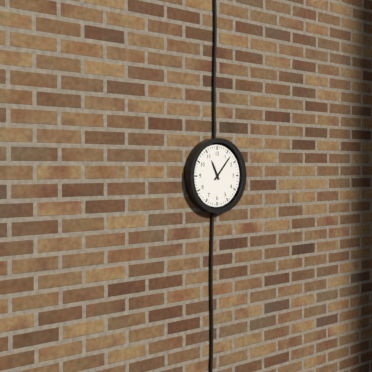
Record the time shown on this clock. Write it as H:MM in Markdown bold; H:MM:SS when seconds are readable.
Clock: **11:07**
